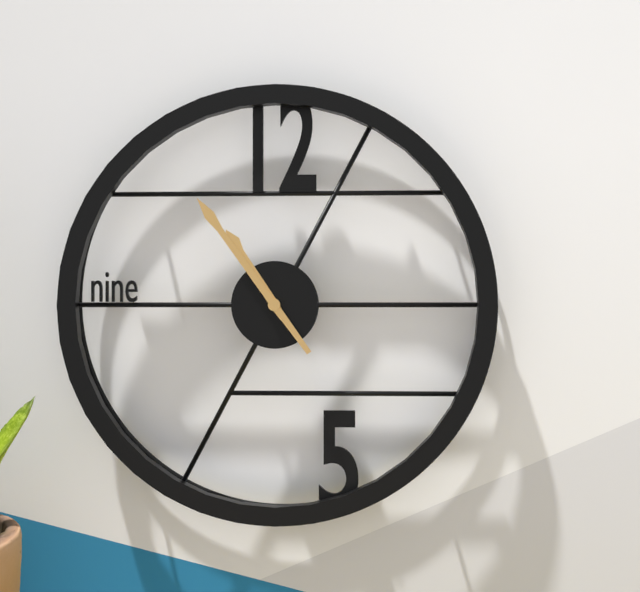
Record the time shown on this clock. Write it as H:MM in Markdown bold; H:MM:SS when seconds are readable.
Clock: **10:54**
